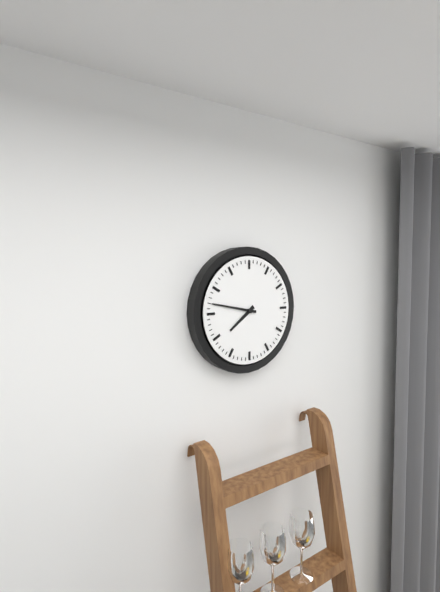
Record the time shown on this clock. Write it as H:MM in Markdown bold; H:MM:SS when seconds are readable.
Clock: **7:47**
